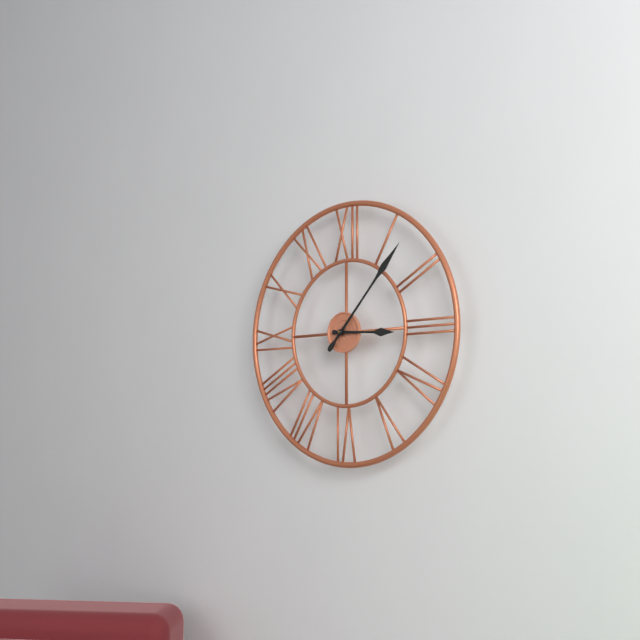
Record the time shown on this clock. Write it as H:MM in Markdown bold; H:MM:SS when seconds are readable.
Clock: **3:07**
